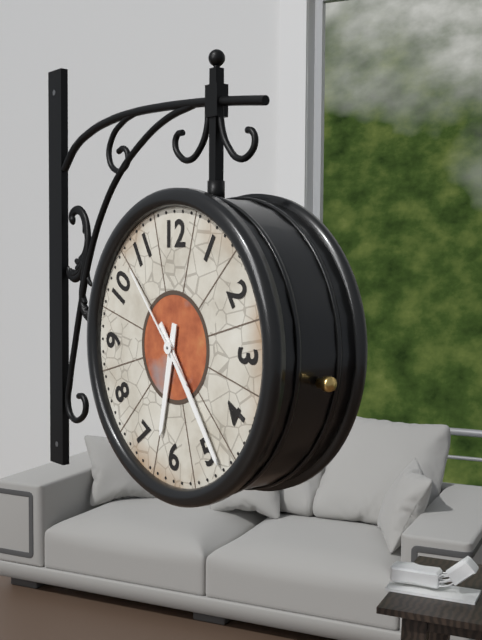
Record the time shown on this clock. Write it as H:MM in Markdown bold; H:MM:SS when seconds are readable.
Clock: **6:24:53**
